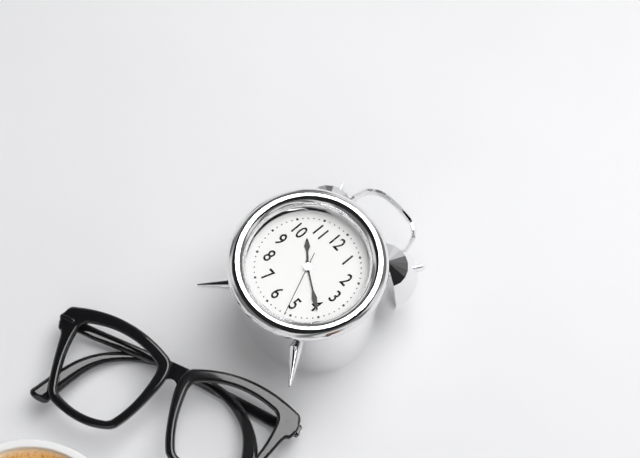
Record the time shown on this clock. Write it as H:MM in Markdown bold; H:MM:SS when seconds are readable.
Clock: **10:20:26**
